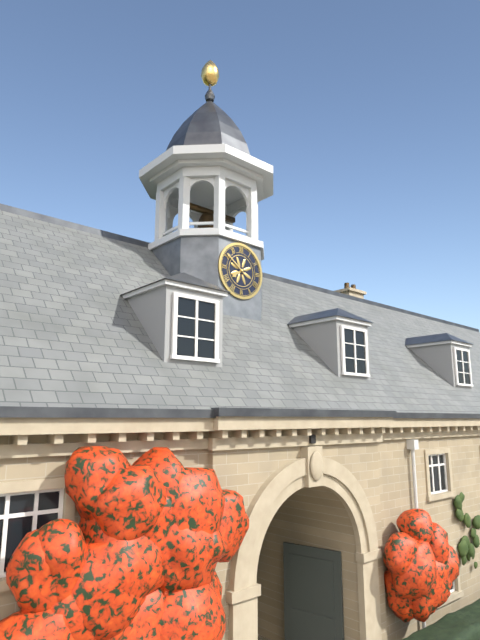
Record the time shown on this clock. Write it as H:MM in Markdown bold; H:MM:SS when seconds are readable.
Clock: **7:51**
